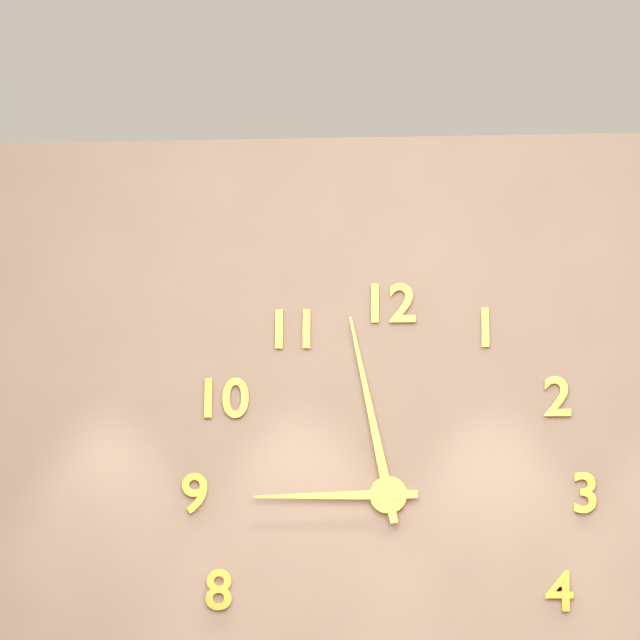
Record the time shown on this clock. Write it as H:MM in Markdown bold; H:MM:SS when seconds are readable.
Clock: **8:58**
